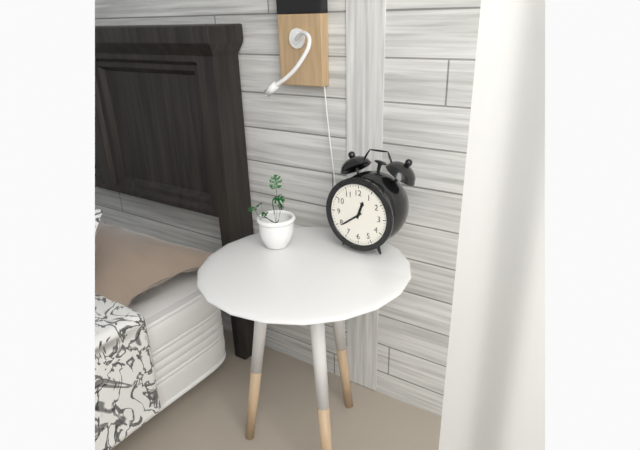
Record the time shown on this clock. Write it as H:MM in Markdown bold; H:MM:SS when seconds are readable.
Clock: **12:39**
